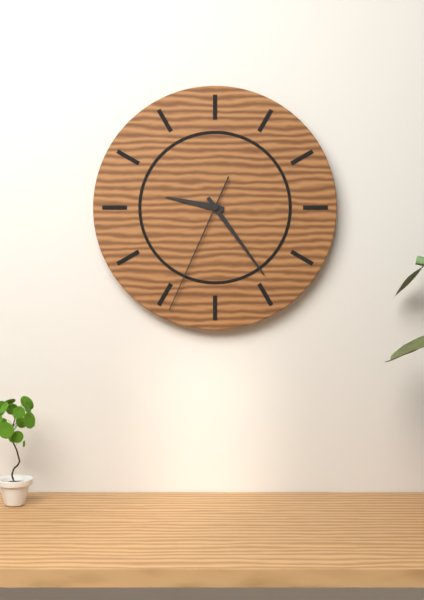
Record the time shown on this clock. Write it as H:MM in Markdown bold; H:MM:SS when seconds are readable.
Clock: **9:24:34**
